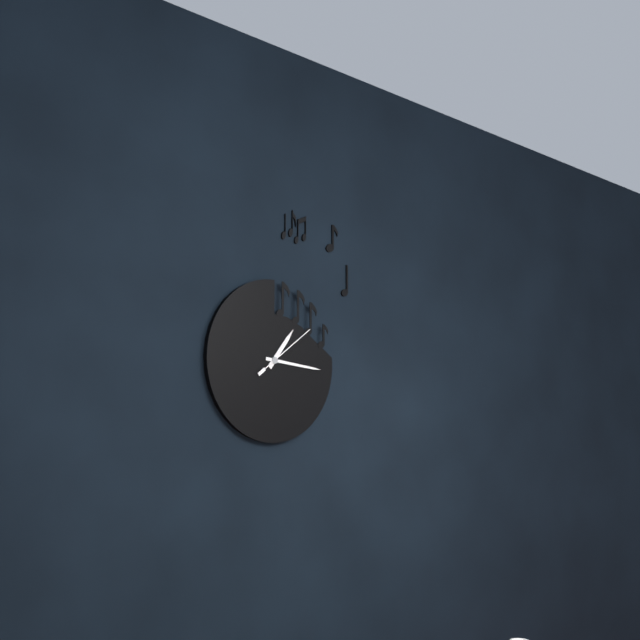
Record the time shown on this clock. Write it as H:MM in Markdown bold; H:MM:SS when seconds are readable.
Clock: **1:16:09**
